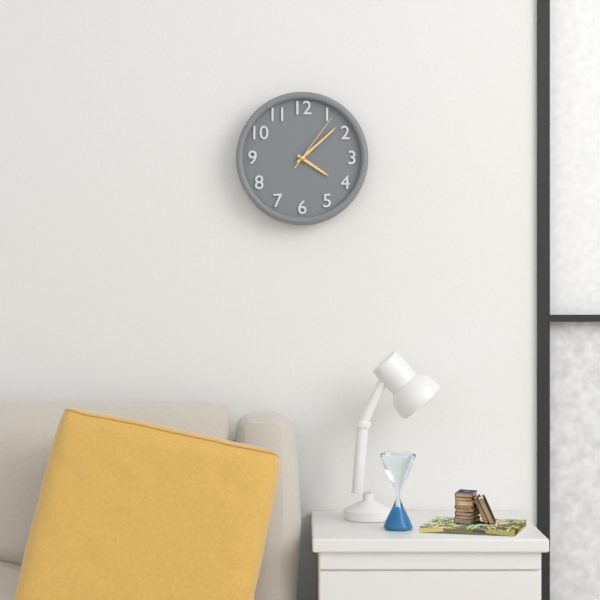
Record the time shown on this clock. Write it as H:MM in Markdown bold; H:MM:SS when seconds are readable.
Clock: **4:08:06**
